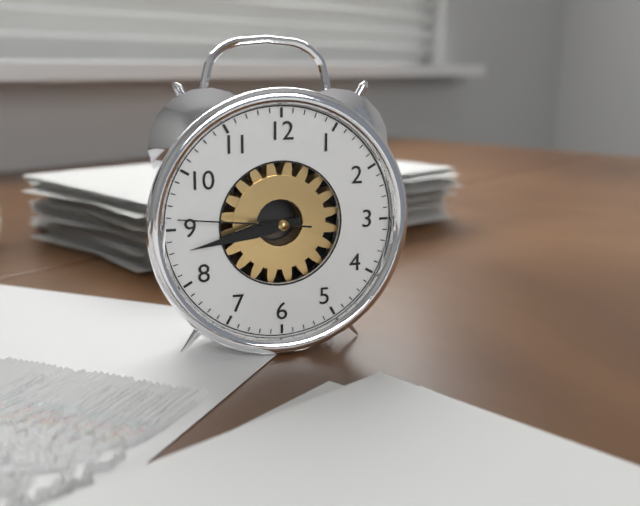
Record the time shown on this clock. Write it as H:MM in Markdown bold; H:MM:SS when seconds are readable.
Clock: **8:43:46**
